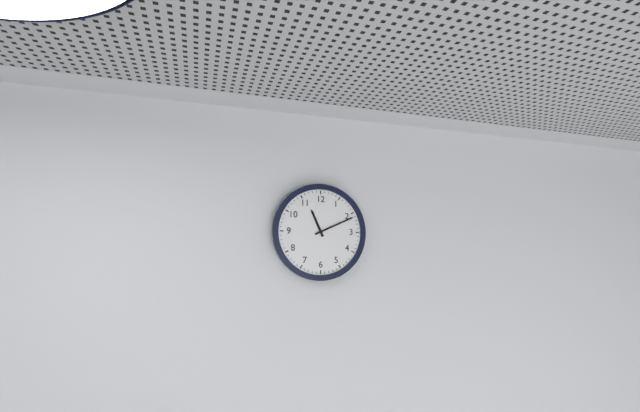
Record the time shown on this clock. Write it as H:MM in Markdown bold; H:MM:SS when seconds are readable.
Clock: **11:11**
